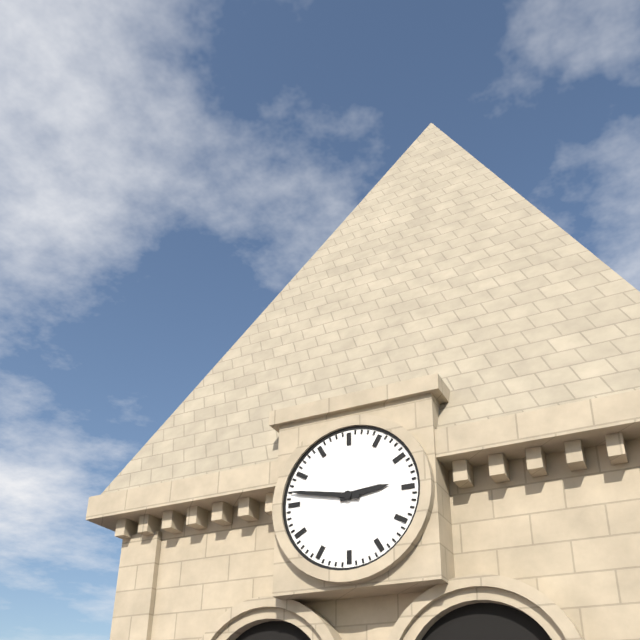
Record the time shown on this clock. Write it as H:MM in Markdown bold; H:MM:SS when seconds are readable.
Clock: **2:47**
